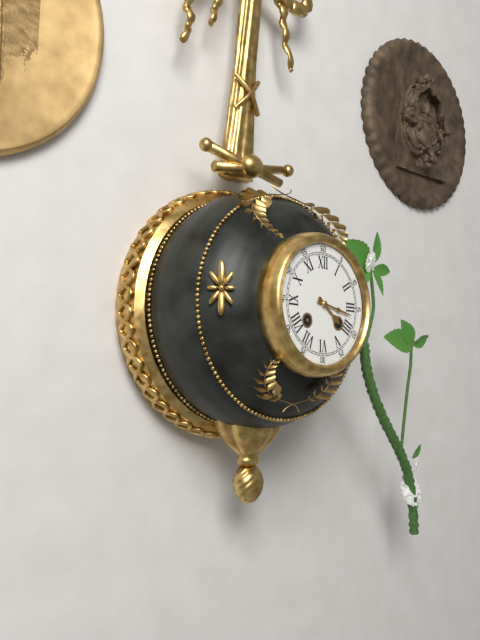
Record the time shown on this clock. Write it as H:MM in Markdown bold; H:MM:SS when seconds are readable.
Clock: **4:17**
